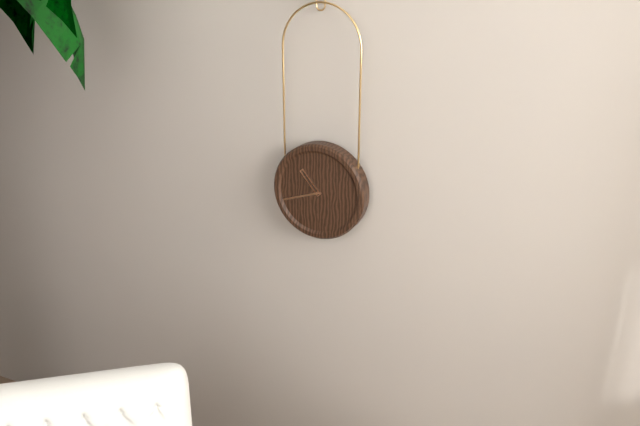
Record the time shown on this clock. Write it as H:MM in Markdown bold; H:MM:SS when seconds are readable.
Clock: **10:42**
